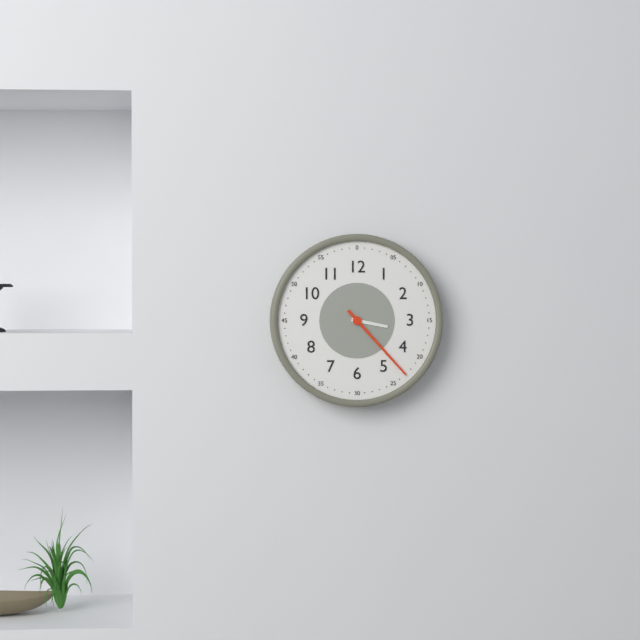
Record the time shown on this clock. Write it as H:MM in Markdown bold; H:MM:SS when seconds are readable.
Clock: **3:23**
